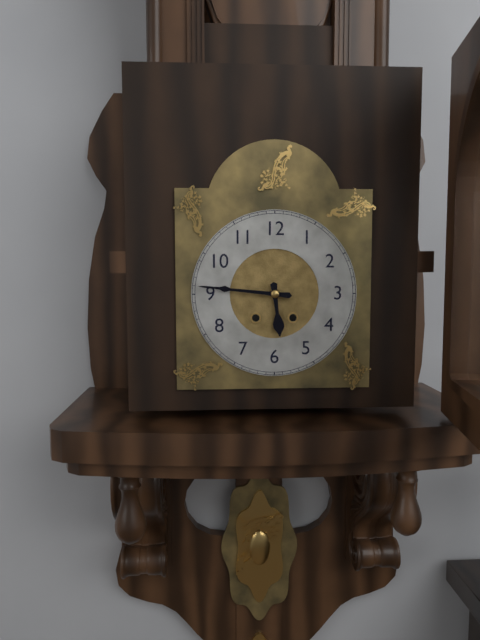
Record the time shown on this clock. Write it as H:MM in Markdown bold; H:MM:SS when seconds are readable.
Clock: **5:46**
